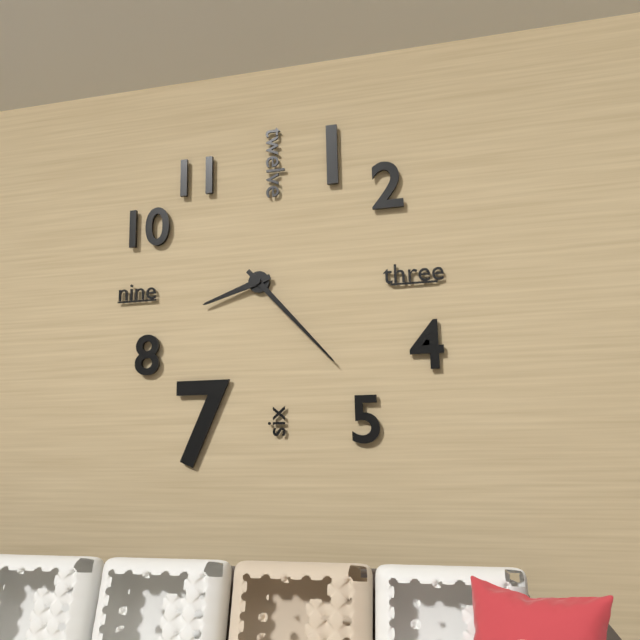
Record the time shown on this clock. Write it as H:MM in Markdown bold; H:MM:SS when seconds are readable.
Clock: **8:23**
